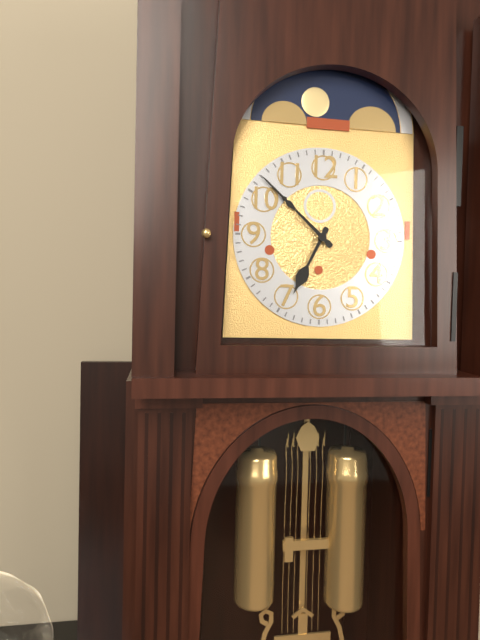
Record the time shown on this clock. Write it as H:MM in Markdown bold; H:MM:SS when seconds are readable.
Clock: **6:52**
